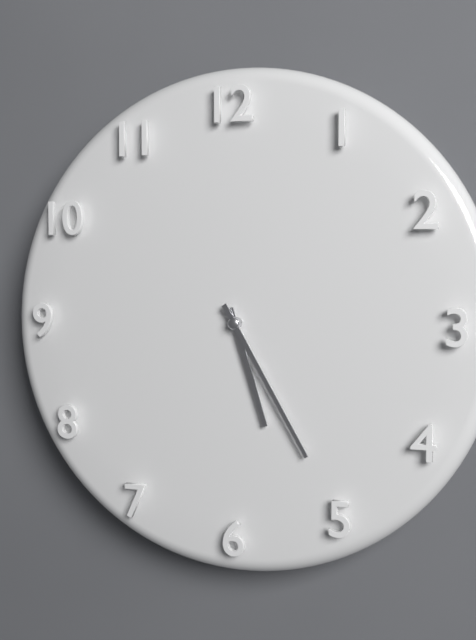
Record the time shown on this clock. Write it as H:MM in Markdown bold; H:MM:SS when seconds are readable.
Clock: **5:25**
